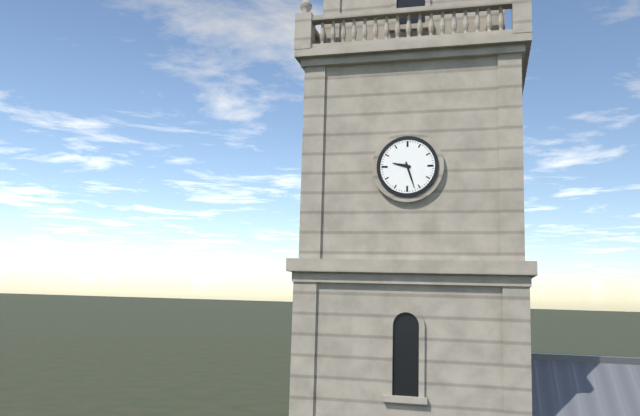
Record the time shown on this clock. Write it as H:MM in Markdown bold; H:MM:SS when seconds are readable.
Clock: **9:27**
